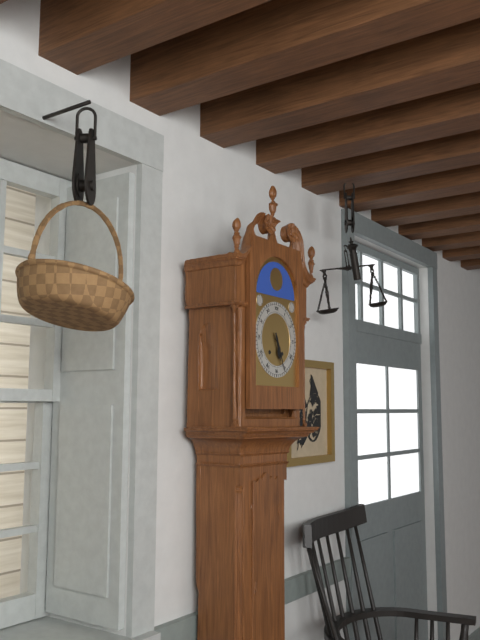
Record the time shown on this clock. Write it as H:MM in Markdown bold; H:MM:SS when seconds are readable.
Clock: **5:26**
